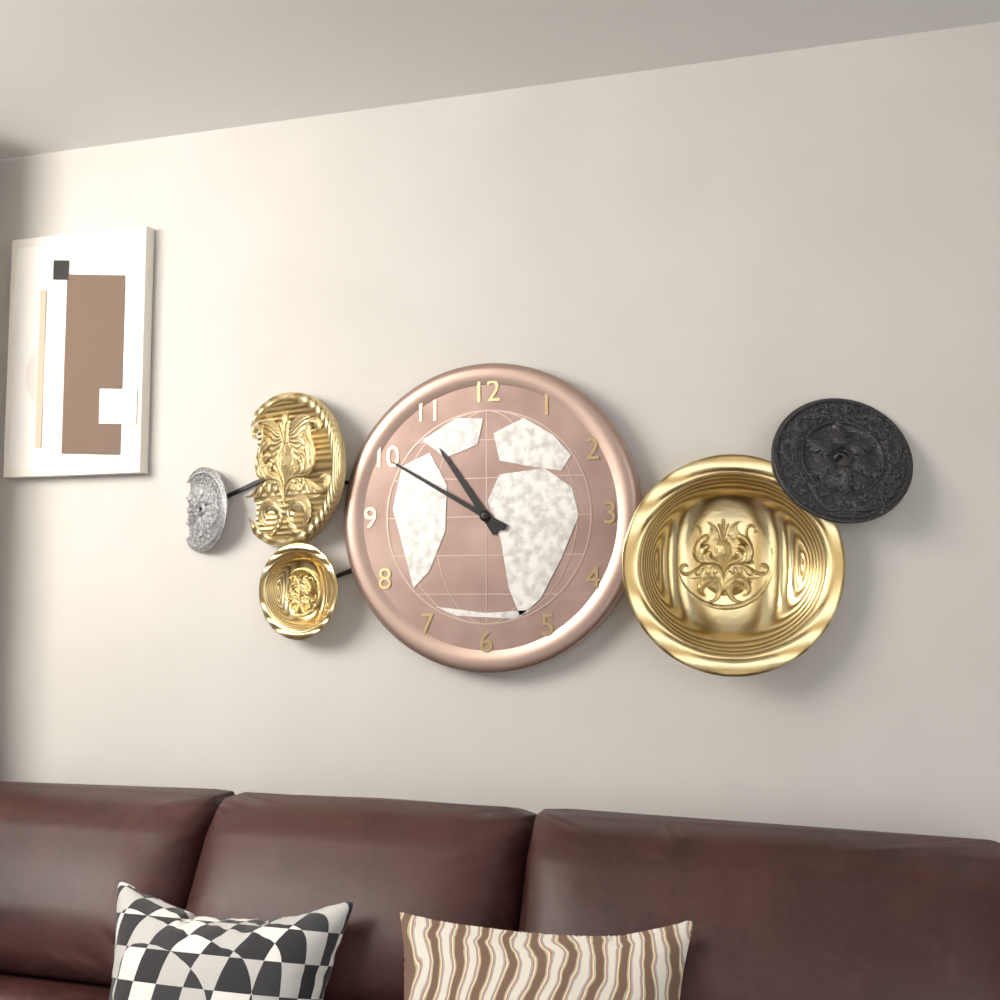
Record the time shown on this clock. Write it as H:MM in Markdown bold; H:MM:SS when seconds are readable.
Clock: **10:50**
